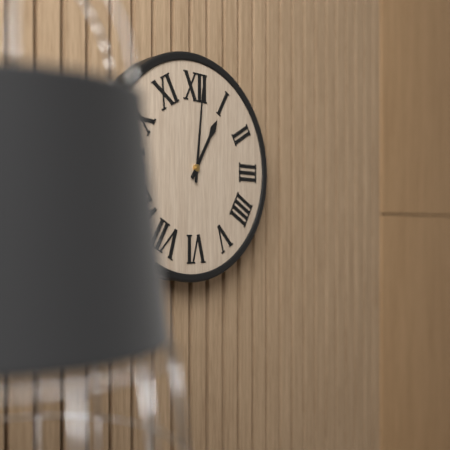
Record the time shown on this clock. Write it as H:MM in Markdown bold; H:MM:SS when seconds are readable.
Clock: **1:01**
